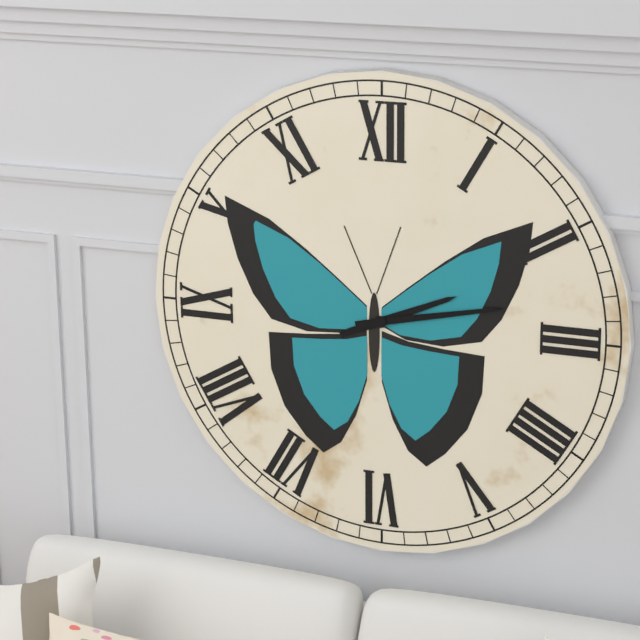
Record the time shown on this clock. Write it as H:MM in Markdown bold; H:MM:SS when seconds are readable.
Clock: **2:13**
